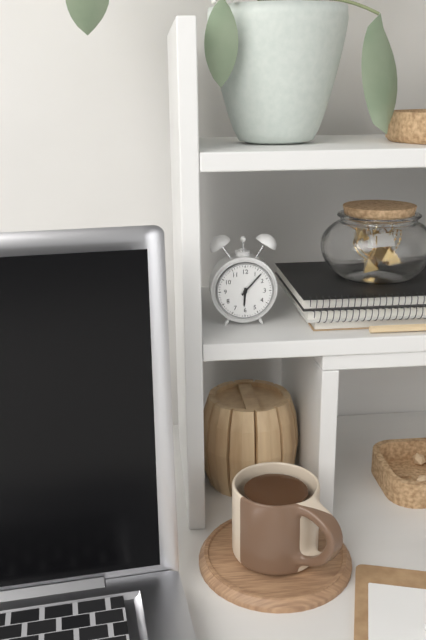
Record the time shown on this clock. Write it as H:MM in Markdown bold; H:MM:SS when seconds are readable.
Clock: **6:07**
